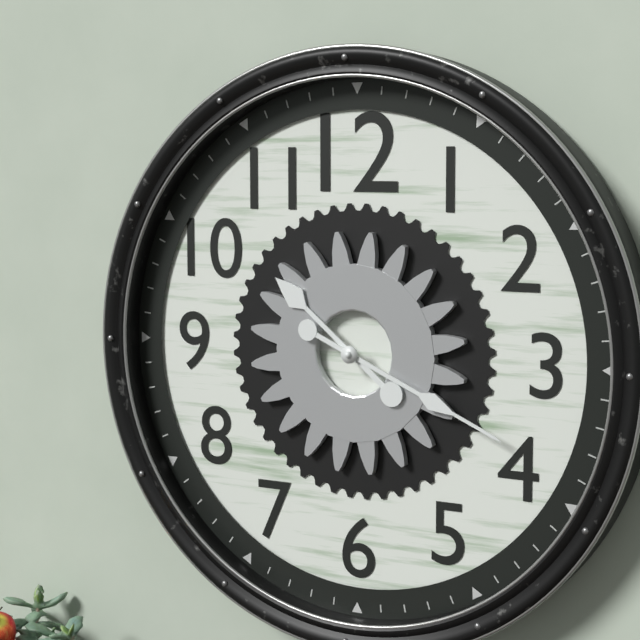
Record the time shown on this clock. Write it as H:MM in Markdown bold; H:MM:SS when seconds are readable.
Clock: **10:19**
